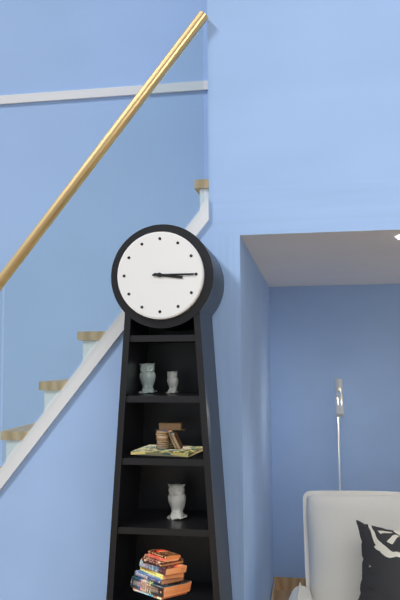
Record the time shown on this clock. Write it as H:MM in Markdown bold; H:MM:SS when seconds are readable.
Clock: **3:15**
